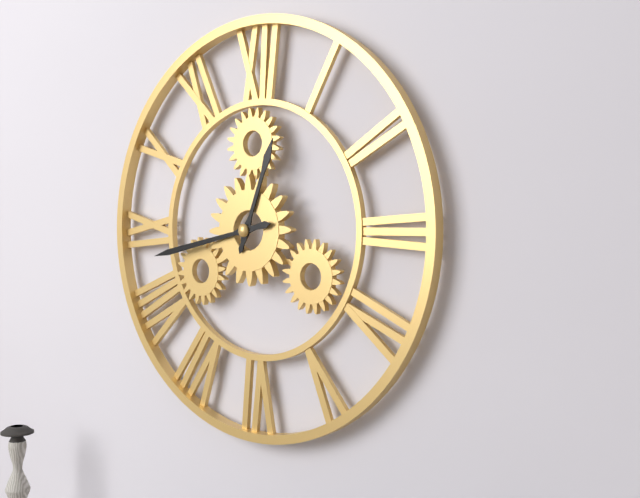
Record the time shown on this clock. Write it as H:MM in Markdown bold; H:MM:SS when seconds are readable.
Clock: **12:43**
